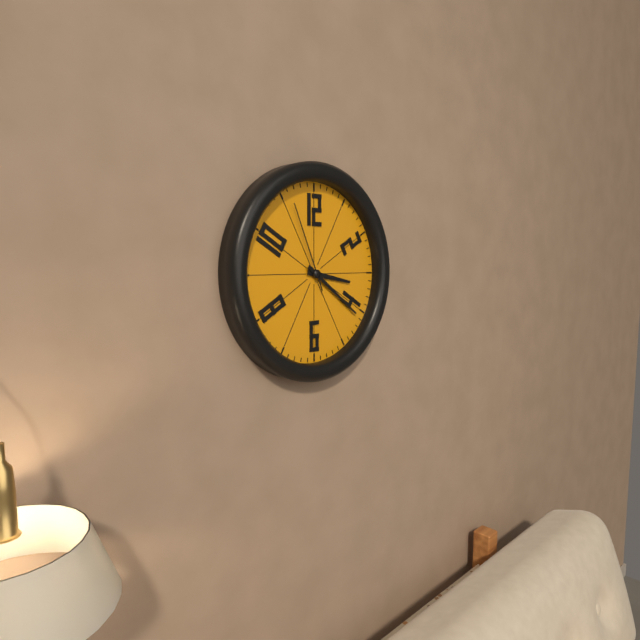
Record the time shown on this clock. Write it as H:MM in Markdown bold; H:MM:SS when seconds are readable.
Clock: **3:21:56**
